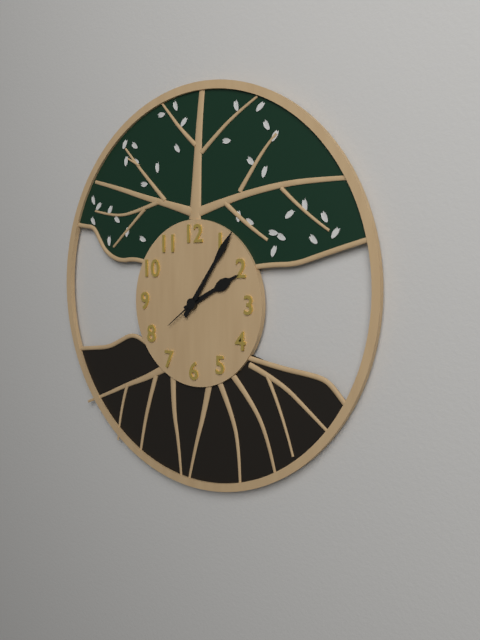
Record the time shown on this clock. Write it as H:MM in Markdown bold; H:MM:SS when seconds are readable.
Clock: **2:06:39**
